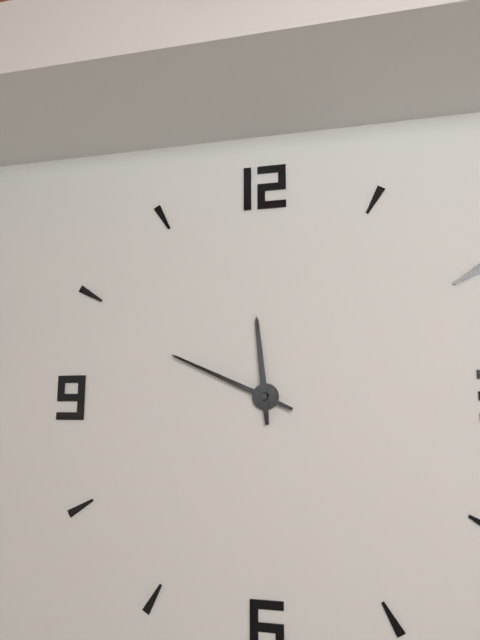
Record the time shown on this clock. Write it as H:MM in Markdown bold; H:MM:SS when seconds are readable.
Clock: **11:49**
